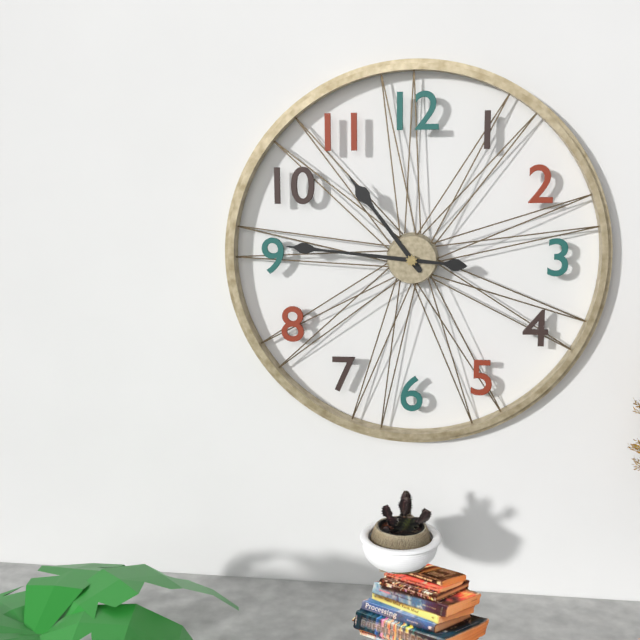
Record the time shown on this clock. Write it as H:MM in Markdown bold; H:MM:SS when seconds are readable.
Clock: **10:46**
